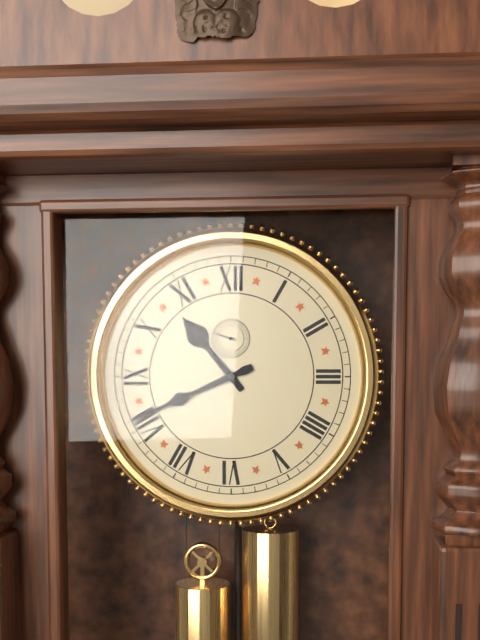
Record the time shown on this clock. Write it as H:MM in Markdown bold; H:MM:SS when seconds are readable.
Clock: **10:41**
